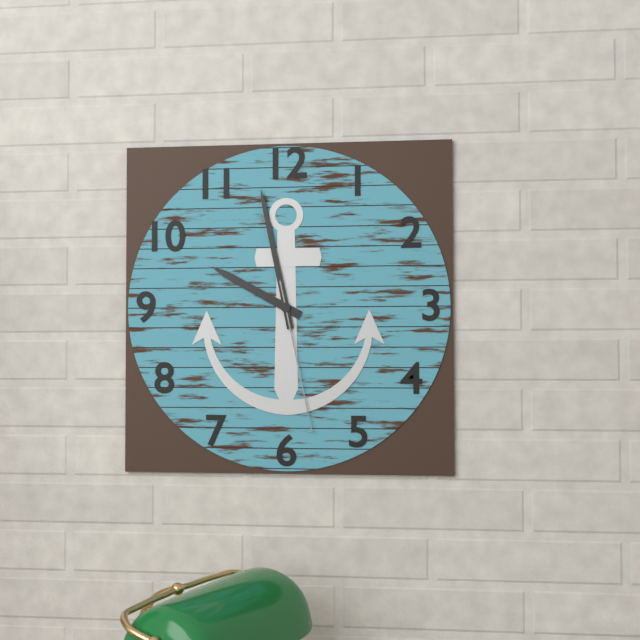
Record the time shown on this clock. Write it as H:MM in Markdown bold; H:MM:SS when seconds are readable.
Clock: **9:58:28**
